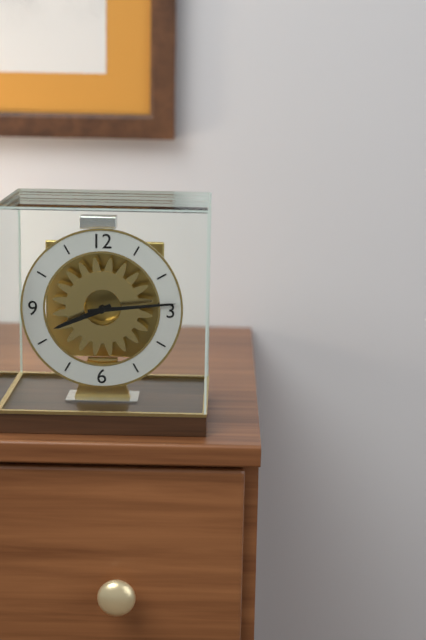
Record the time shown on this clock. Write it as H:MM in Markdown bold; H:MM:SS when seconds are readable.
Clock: **8:14**
